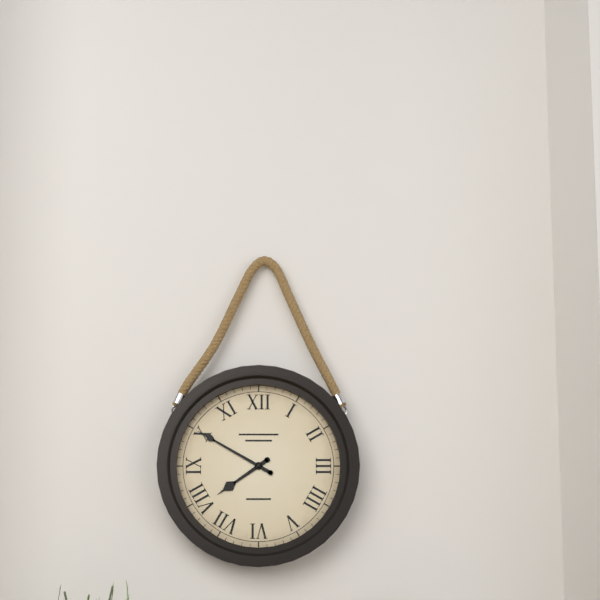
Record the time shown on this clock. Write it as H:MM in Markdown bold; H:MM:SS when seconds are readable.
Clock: **7:50**
